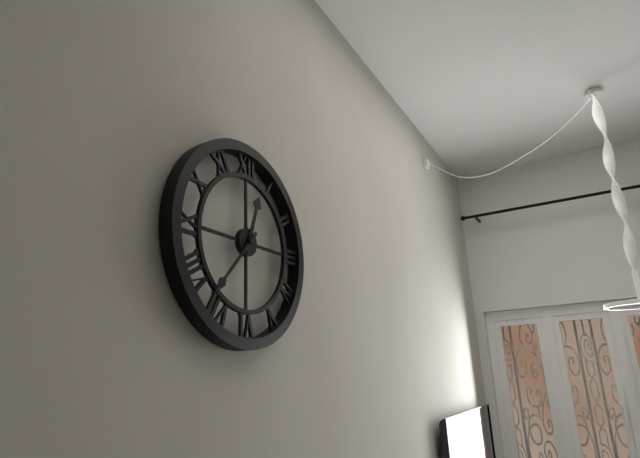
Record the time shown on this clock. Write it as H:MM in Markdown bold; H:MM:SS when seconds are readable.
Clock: **12:37**
